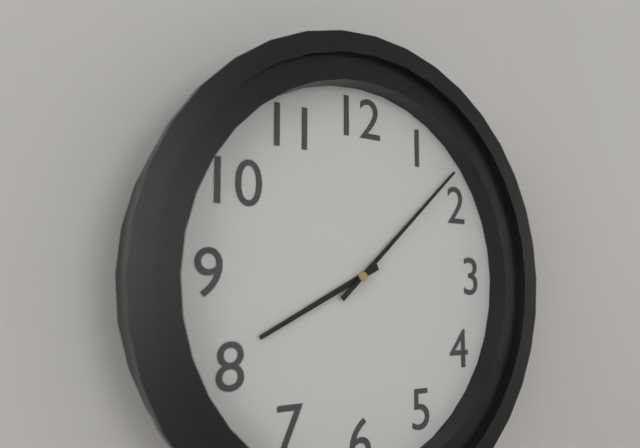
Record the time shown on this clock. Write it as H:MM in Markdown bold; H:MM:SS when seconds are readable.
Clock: **8:08**
